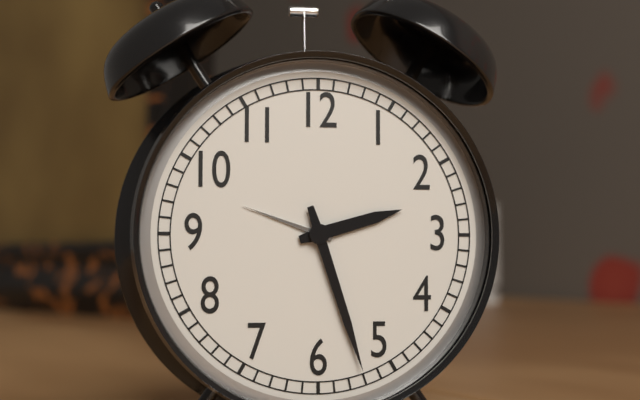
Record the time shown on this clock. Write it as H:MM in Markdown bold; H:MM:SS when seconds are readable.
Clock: **2:27**
